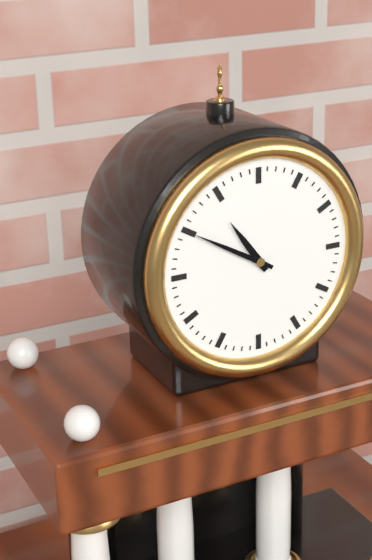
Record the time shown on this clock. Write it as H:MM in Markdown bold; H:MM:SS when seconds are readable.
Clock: **10:50**
